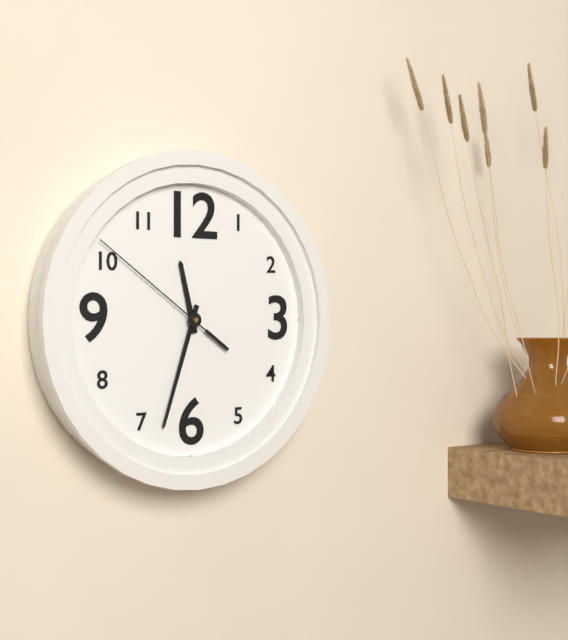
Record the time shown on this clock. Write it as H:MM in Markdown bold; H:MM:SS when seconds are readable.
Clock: **11:33:51**
